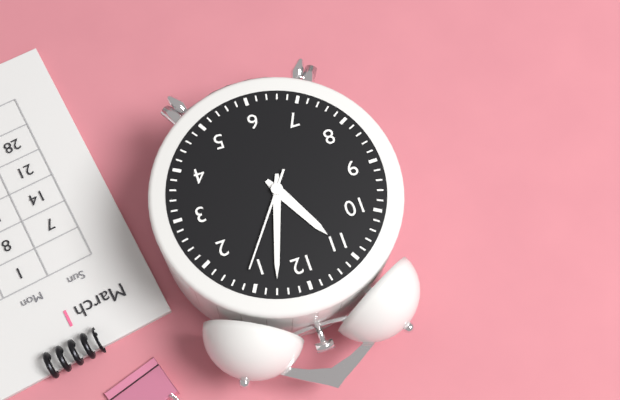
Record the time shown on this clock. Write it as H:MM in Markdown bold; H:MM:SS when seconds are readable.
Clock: **11:03:06**
